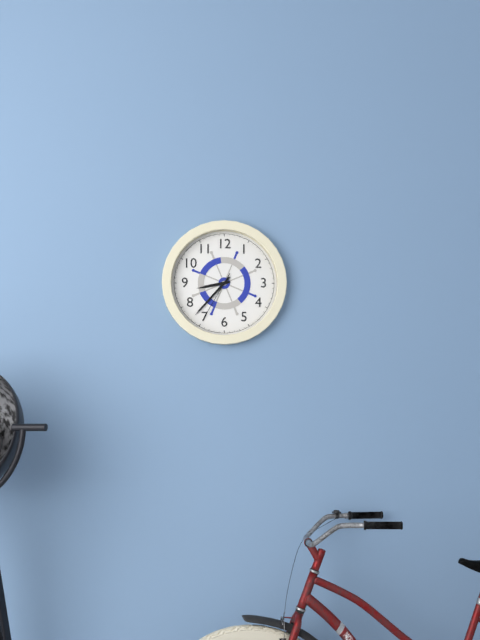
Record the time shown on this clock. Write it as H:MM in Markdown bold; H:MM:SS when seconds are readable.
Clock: **8:37:35**
